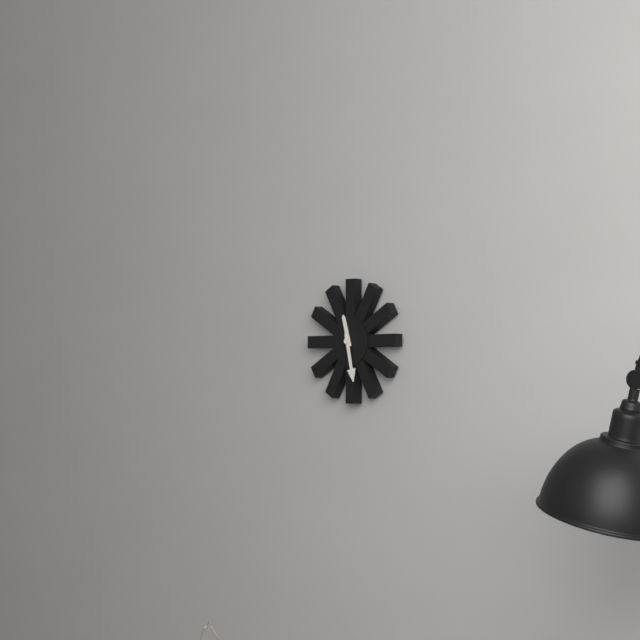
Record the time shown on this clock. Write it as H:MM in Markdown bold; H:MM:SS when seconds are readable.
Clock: **11:28**
